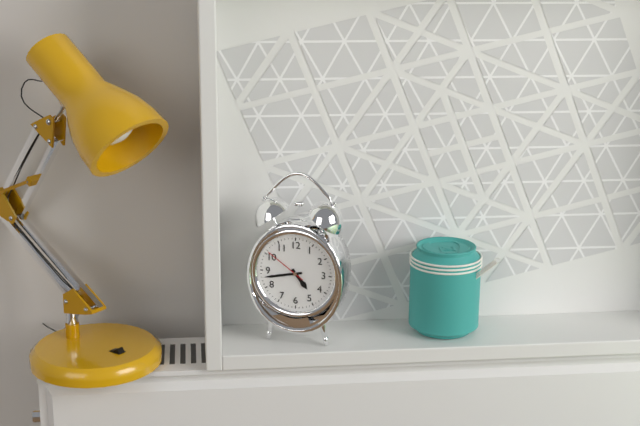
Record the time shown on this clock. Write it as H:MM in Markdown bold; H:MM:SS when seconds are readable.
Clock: **4:43**
